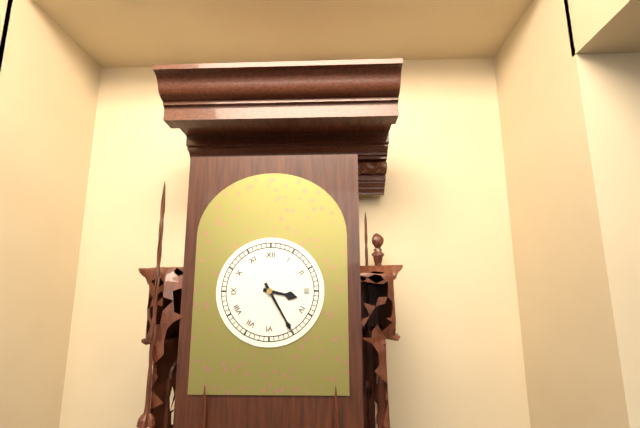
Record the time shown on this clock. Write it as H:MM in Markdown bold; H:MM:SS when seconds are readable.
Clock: **3:25**
